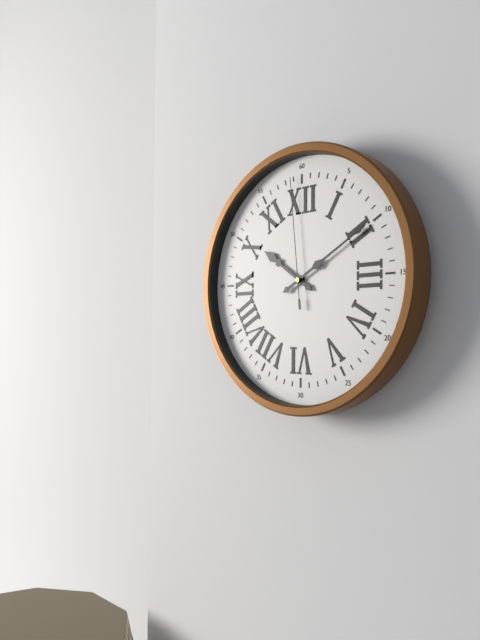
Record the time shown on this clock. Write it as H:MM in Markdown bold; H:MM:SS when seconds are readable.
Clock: **10:10:59**
